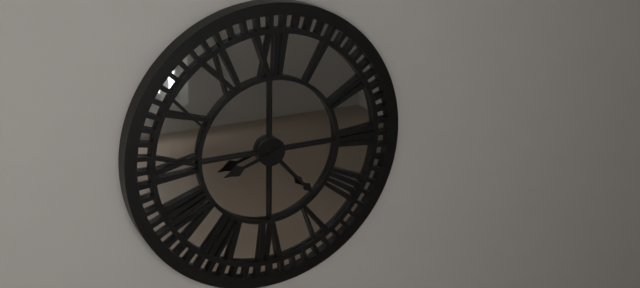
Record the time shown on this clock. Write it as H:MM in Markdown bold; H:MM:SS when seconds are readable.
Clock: **8:23**
